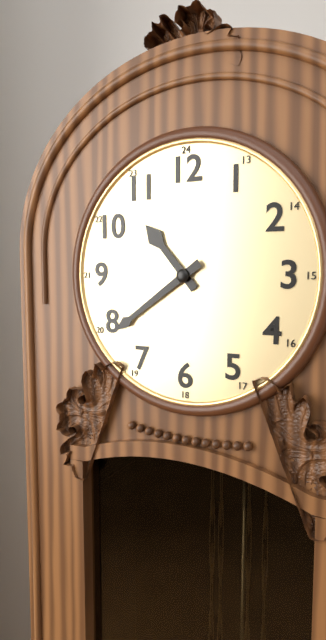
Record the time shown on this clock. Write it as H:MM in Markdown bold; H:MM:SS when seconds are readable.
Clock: **10:39**
